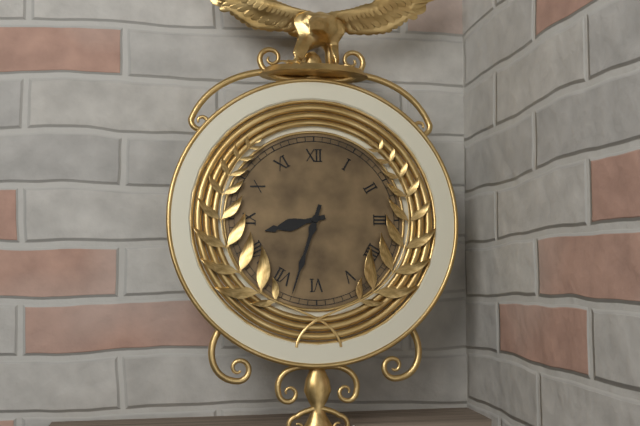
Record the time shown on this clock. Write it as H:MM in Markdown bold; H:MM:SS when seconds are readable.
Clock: **8:33**
